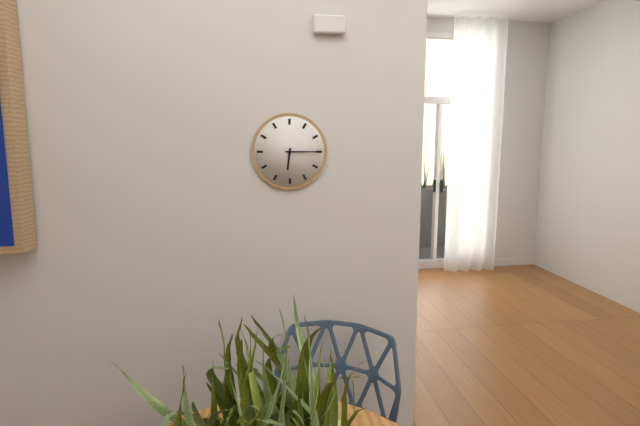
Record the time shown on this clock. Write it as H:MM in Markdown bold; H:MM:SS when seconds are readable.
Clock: **6:15**
